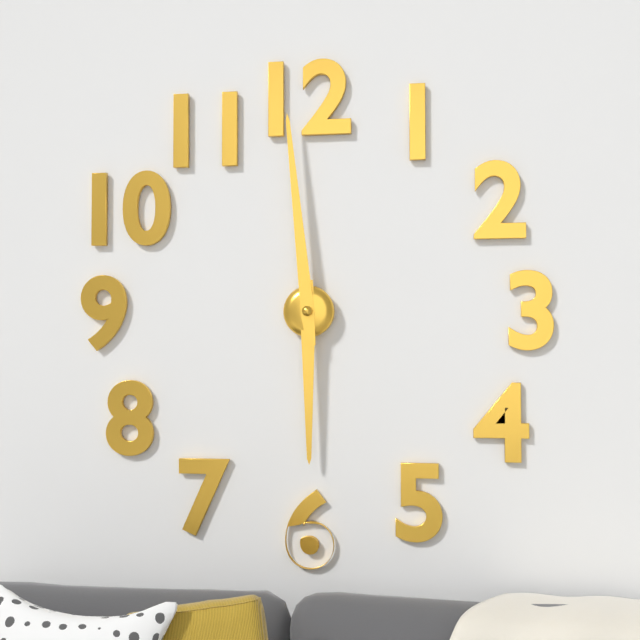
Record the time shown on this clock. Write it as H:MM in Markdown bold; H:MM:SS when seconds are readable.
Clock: **5:59**
